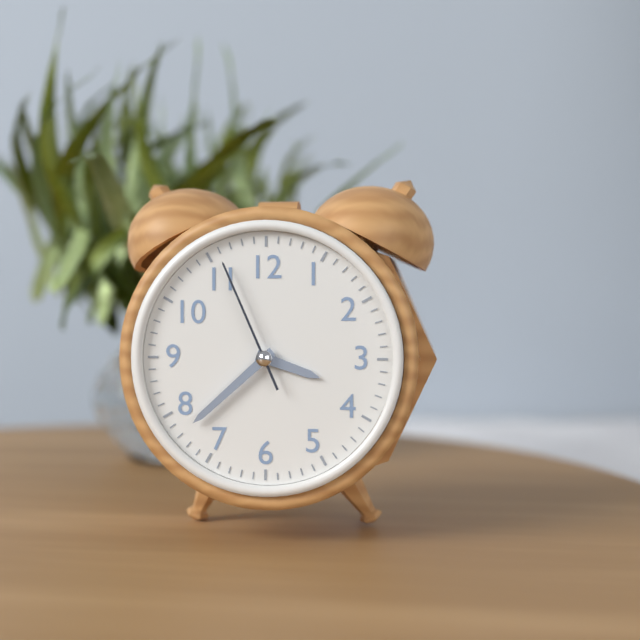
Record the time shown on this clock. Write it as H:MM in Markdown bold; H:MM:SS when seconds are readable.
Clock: **3:38:56**
